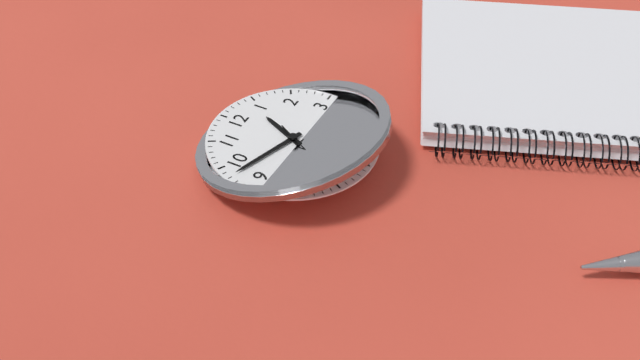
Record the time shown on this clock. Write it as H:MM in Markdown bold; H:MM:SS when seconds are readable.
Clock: **12:48**
